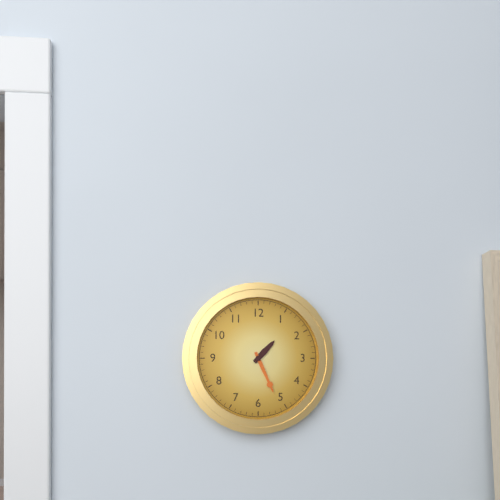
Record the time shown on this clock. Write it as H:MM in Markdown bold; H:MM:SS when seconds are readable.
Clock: **1:26**
